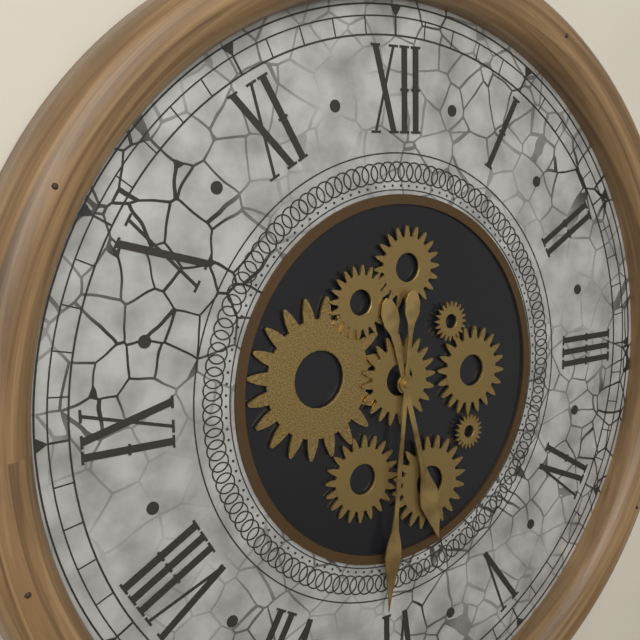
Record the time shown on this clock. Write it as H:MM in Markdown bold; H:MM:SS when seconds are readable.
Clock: **5:31**
